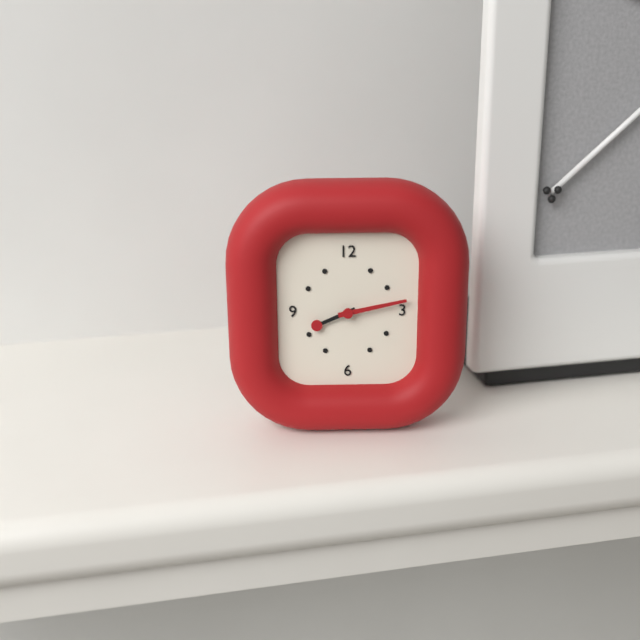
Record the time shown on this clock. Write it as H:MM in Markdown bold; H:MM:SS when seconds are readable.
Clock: **8:13**
